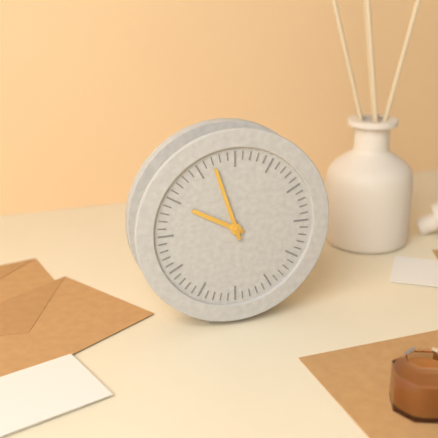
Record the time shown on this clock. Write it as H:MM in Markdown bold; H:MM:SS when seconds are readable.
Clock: **9:57**
